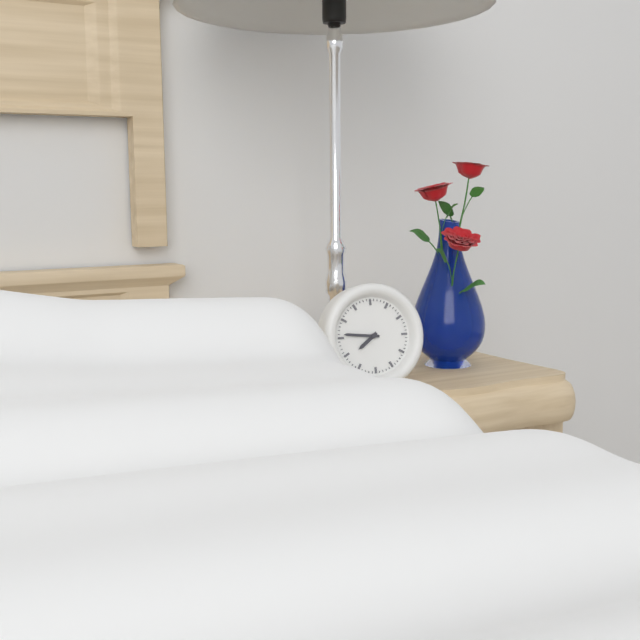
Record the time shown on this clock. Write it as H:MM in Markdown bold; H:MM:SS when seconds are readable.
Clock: **7:46**
